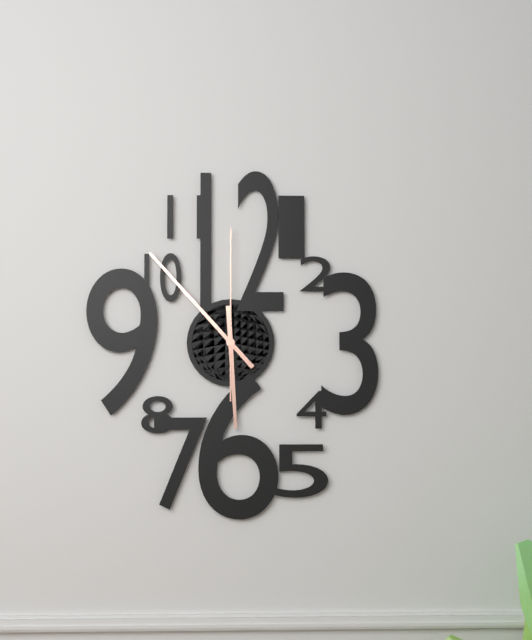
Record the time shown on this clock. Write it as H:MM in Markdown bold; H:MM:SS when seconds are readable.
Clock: **5:53:00**
